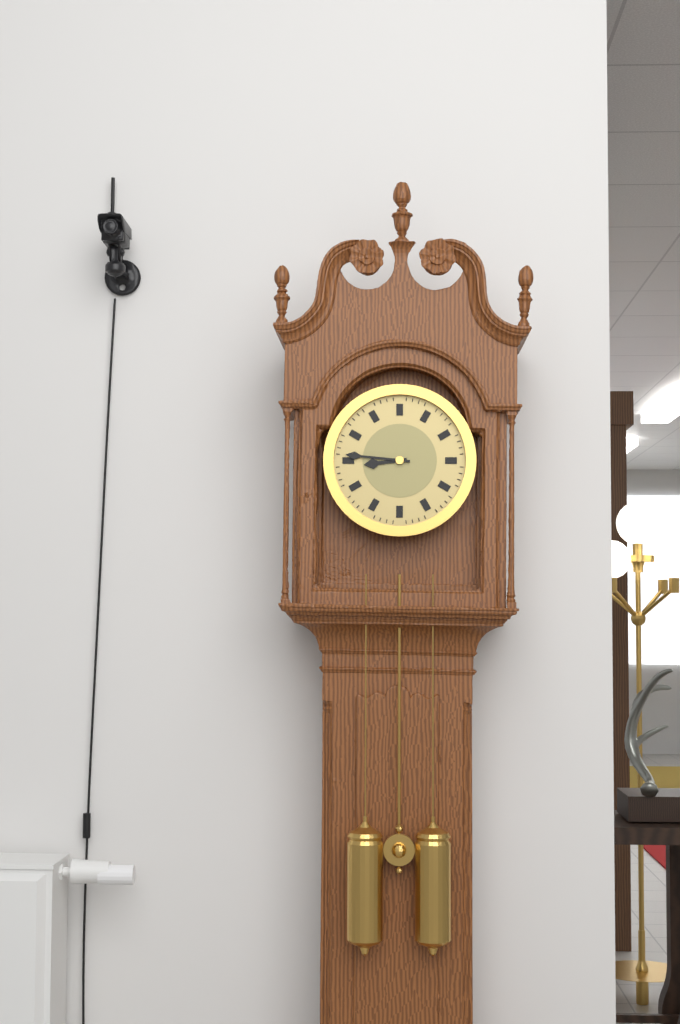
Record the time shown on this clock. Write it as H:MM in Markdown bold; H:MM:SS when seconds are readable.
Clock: **8:46**
